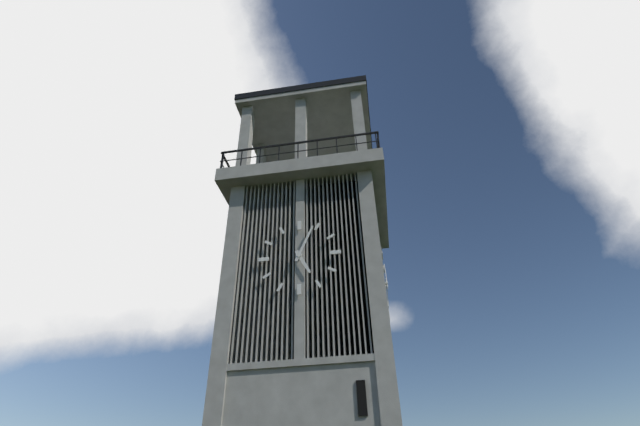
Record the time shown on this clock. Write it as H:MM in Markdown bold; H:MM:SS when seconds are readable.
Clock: **5:04**
